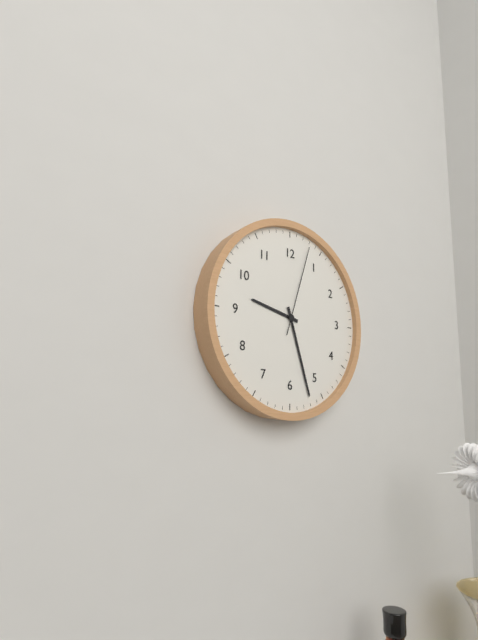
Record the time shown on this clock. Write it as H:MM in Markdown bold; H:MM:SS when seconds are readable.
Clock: **9:27:03**
